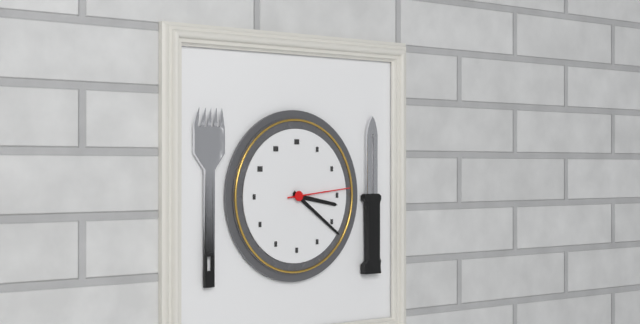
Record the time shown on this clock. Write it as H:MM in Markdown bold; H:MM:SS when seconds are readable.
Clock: **3:21:14**
